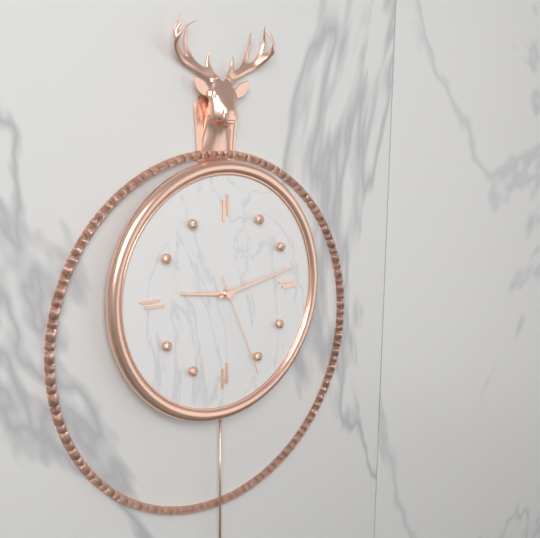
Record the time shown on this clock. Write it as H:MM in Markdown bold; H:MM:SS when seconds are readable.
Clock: **9:13:26**
